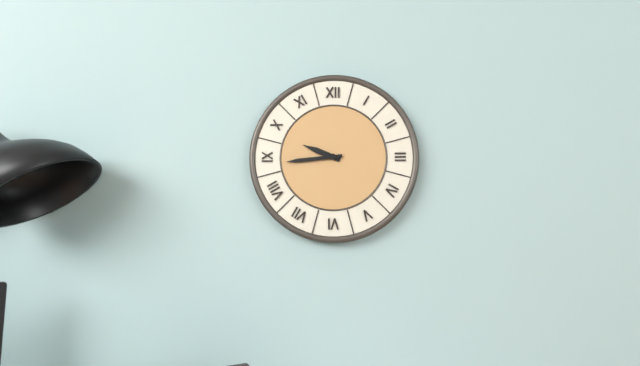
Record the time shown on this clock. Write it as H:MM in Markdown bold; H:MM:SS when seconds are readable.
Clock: **9:44**
